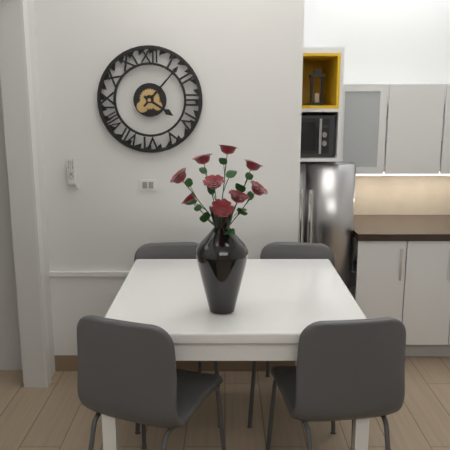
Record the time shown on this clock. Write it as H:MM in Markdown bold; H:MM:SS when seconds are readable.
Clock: **4:07**
